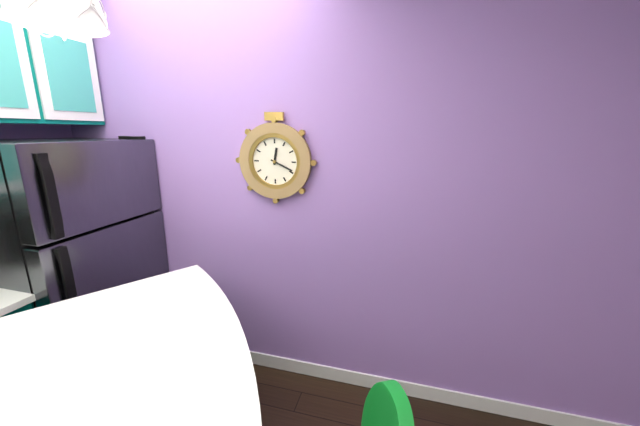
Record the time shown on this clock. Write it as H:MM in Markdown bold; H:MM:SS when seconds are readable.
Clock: **12:19**
